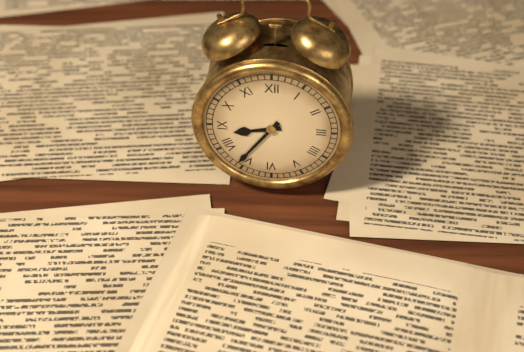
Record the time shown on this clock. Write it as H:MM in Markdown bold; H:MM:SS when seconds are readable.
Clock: **8:36**
